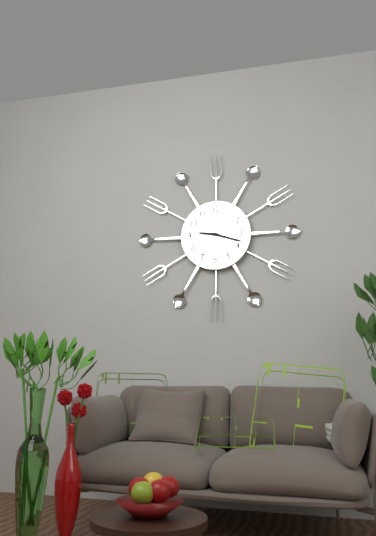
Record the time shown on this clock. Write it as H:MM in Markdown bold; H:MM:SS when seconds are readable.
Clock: **9:18**
